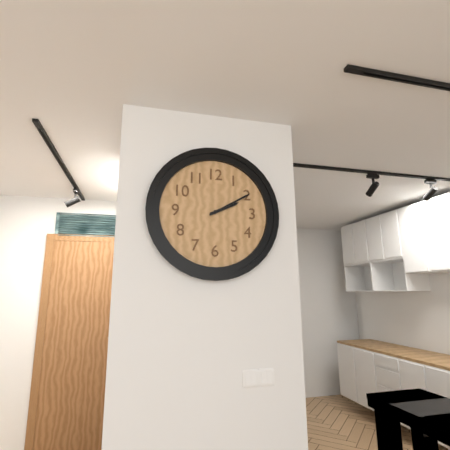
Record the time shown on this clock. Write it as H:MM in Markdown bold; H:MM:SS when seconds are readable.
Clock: **2:10**
